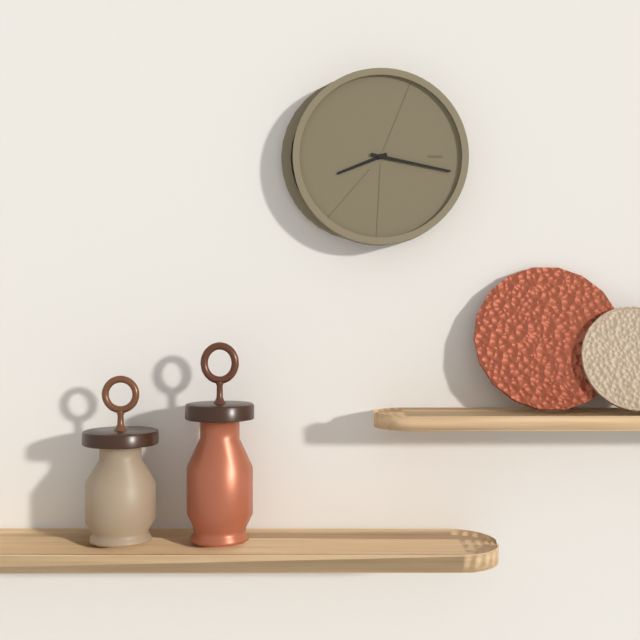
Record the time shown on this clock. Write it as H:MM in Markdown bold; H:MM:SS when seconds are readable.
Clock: **8:17**
